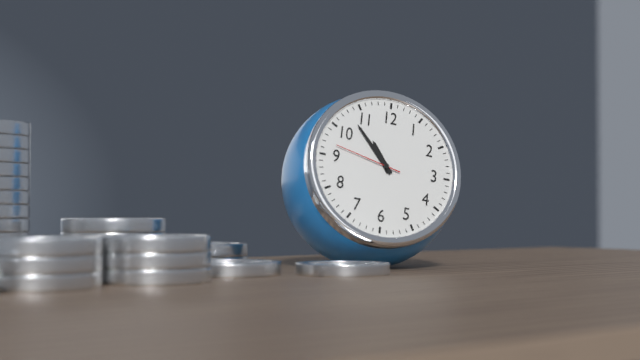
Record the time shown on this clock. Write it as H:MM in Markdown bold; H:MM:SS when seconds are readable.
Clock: **10:53:47**
